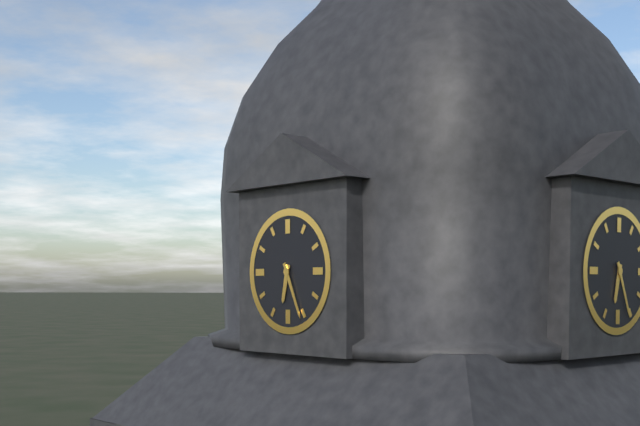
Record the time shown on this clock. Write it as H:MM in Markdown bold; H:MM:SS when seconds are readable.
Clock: **6:26**
